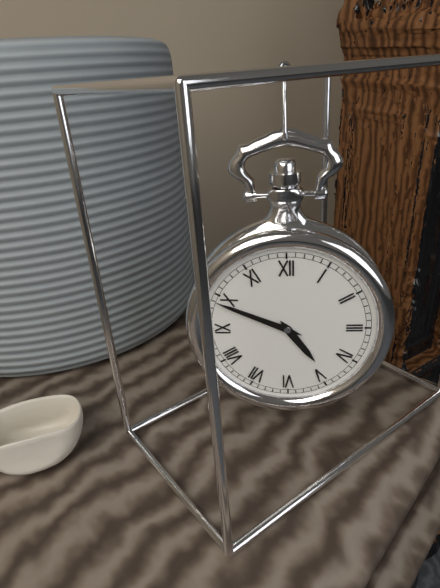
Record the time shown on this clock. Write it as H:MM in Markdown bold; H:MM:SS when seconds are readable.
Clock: **4:49**
